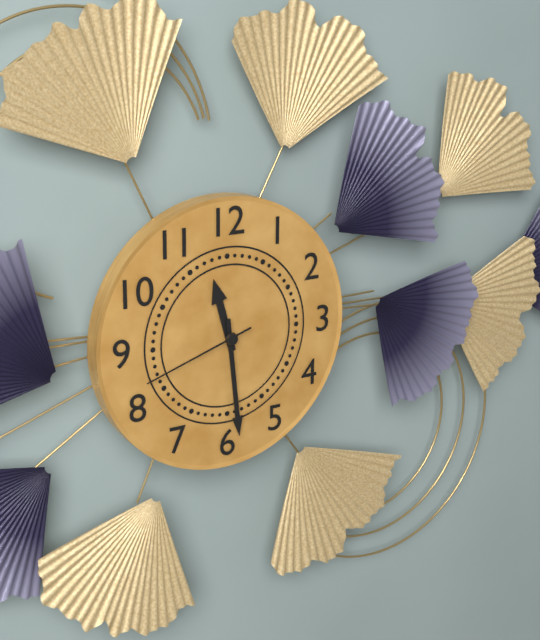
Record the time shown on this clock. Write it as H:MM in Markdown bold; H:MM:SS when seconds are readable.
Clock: **11:29:42**
